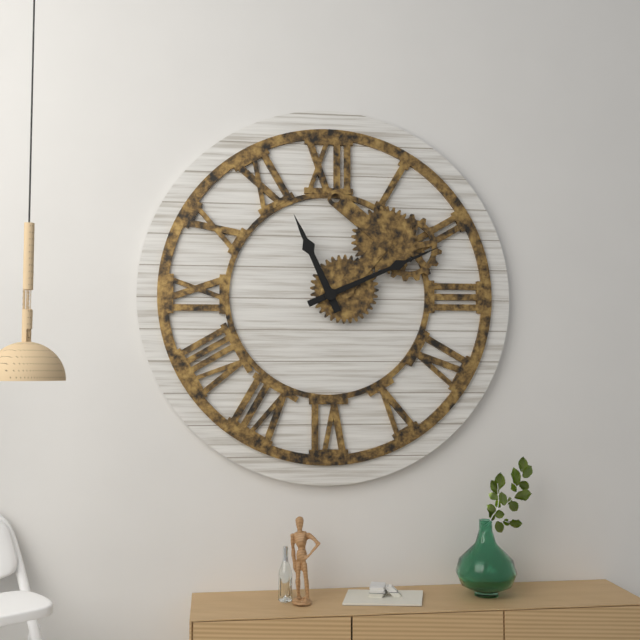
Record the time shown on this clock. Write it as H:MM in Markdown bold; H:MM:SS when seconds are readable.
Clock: **11:11**
